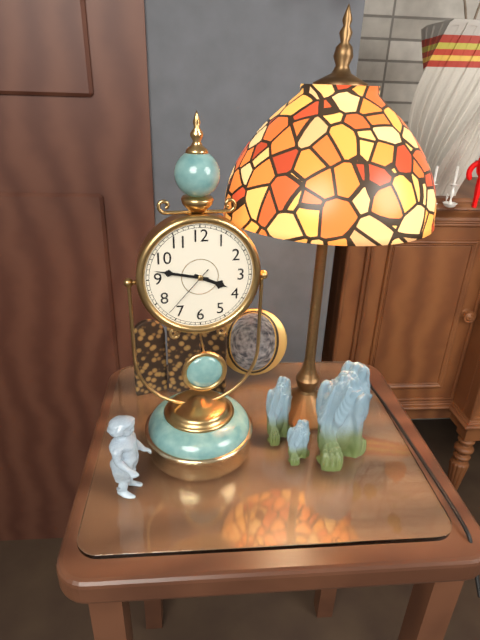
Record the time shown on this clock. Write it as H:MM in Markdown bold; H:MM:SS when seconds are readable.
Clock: **3:47:37**
